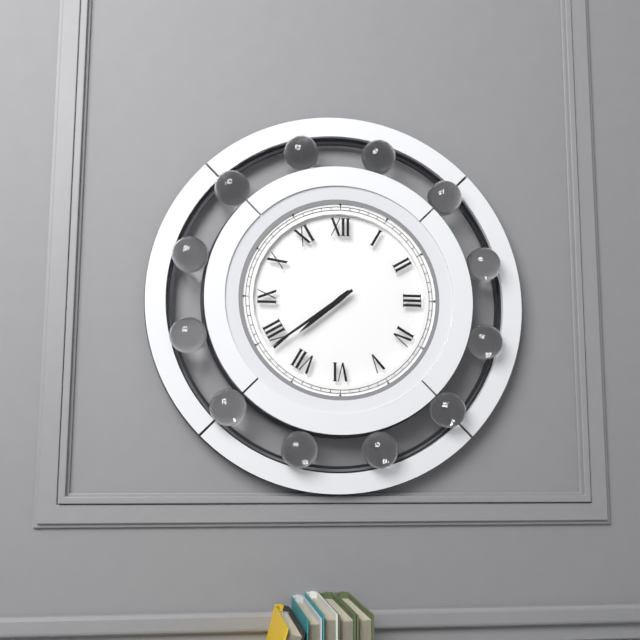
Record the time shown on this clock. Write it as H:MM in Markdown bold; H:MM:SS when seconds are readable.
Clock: **7:39**
